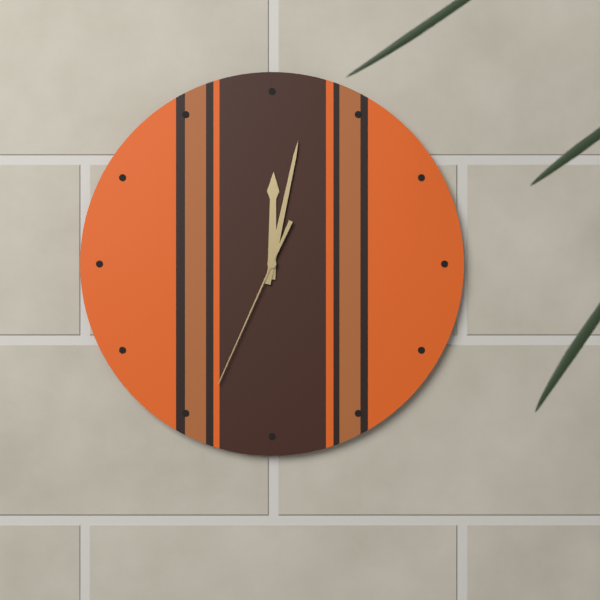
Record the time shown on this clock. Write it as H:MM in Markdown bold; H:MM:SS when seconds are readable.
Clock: **12:02:34**
